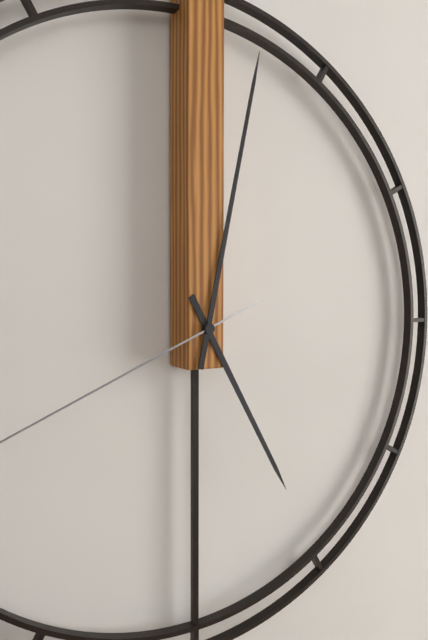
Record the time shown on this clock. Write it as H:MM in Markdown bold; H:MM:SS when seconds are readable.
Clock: **5:02**
